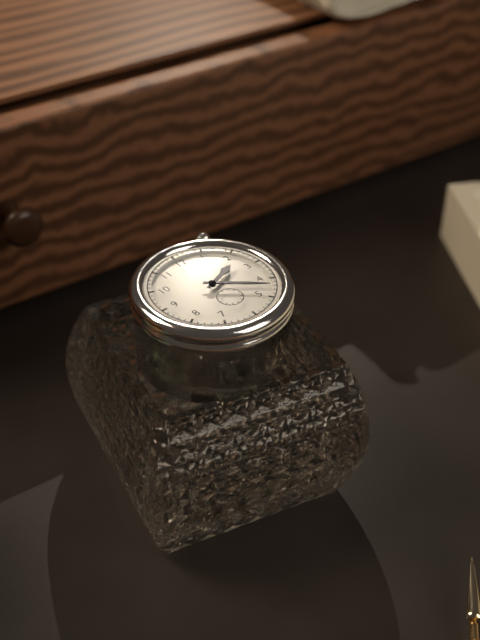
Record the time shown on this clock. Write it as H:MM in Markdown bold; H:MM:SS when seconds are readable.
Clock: **2:22**
